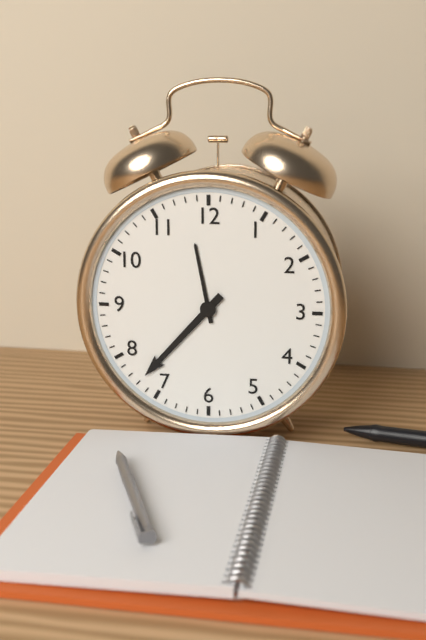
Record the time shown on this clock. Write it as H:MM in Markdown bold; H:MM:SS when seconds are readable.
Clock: **11:37**
